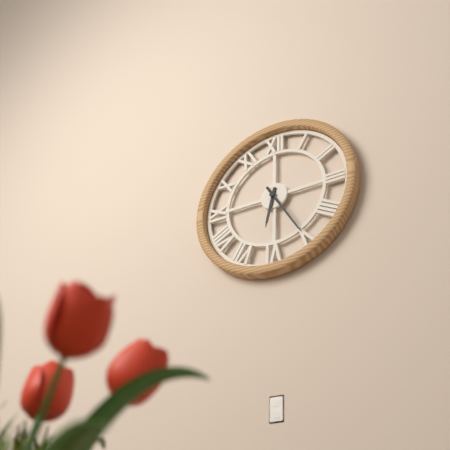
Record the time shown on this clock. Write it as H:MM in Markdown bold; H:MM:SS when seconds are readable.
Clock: **6:25**
